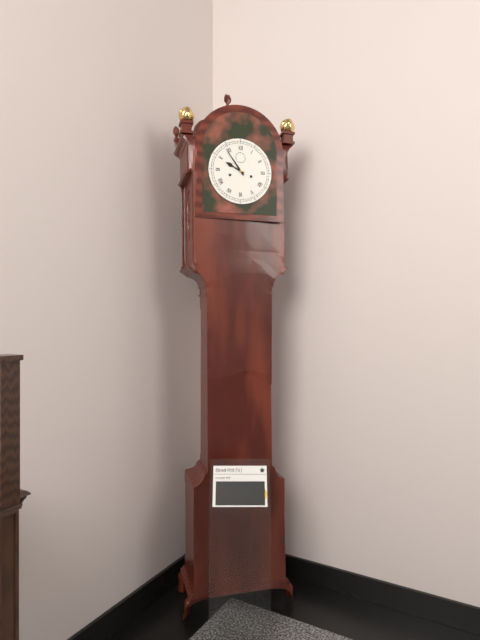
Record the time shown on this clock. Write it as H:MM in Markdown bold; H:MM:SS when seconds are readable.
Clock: **9:54**
